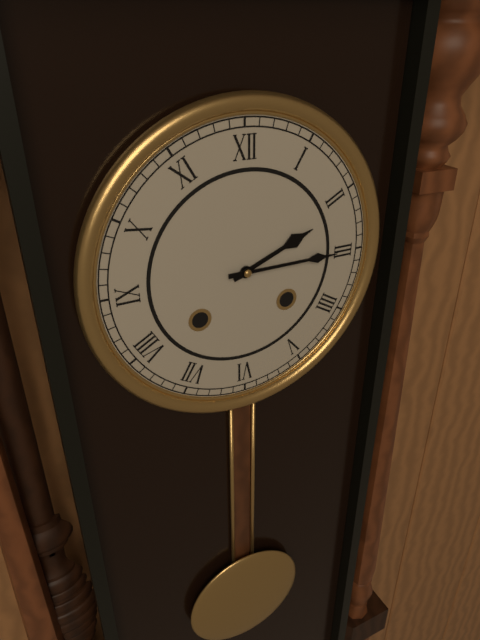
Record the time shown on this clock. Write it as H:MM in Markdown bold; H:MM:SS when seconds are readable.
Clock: **2:15**
